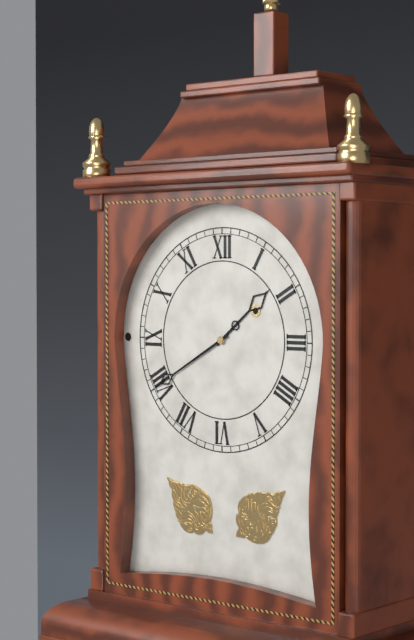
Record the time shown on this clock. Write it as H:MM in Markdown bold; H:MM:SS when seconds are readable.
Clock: **1:40**
